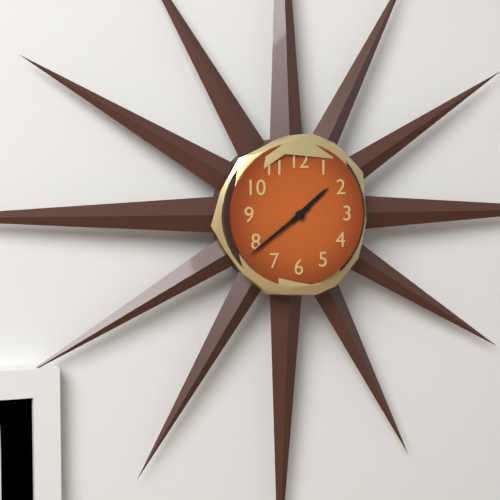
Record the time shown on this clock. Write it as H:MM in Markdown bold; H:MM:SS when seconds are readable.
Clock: **1:39**
